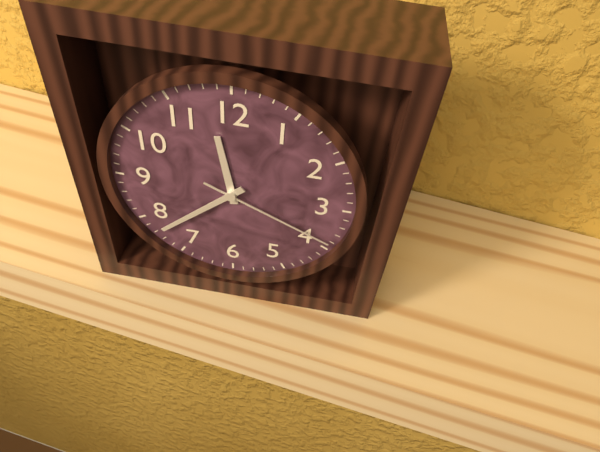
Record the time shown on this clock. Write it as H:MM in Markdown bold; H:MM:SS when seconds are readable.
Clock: **11:38:19**
